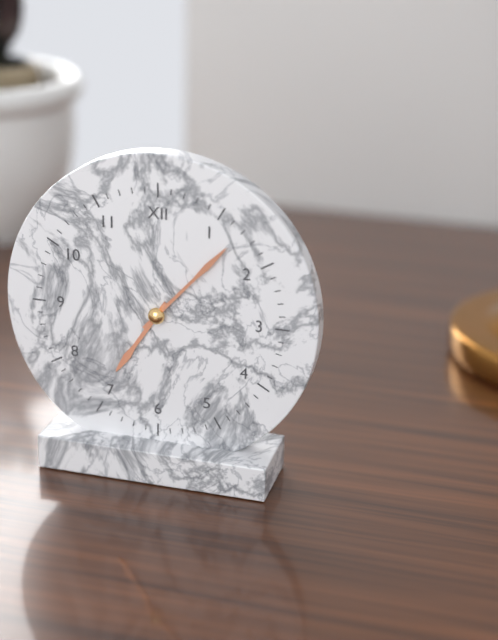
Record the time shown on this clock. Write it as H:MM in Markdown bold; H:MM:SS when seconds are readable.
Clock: **7:07**
